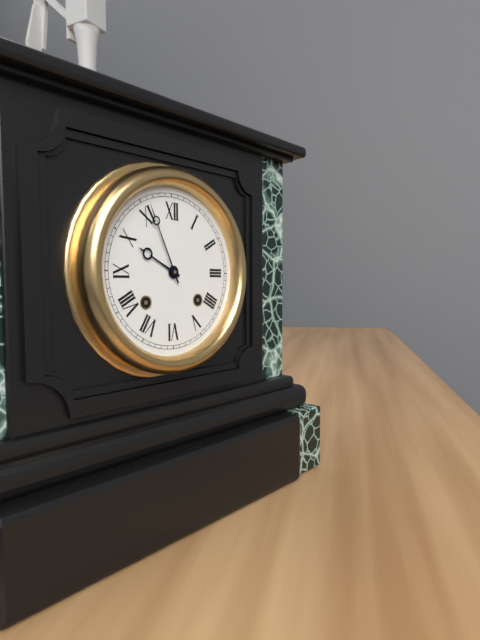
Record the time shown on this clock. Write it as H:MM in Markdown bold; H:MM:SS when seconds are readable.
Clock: **9:56**
